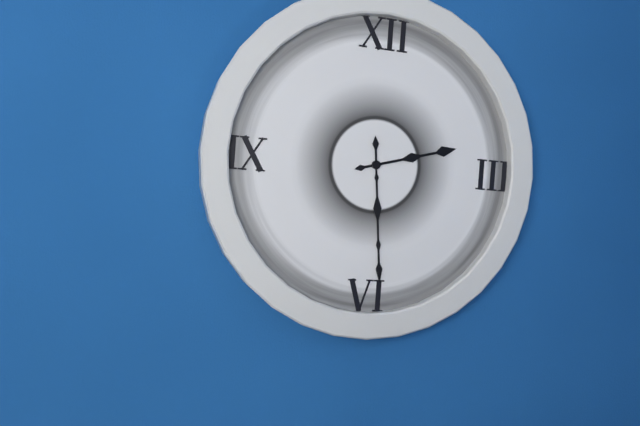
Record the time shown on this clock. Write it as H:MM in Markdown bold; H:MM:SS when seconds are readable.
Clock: **2:29**
